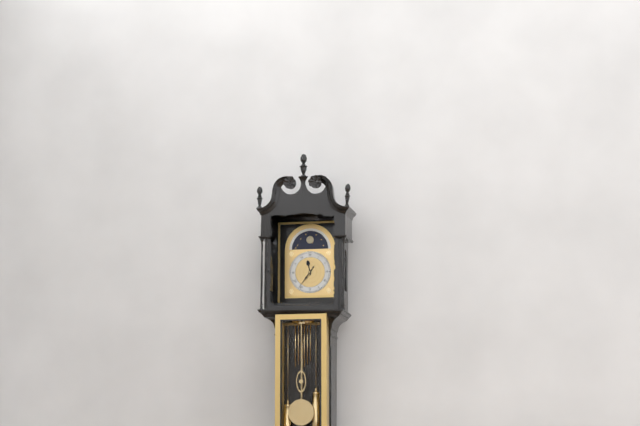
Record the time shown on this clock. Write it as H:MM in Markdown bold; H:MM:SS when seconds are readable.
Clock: **11:36**
